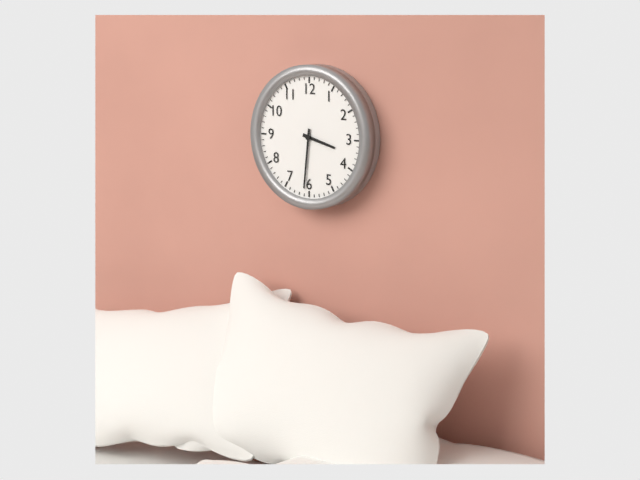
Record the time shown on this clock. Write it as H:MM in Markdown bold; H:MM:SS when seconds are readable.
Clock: **3:31**
